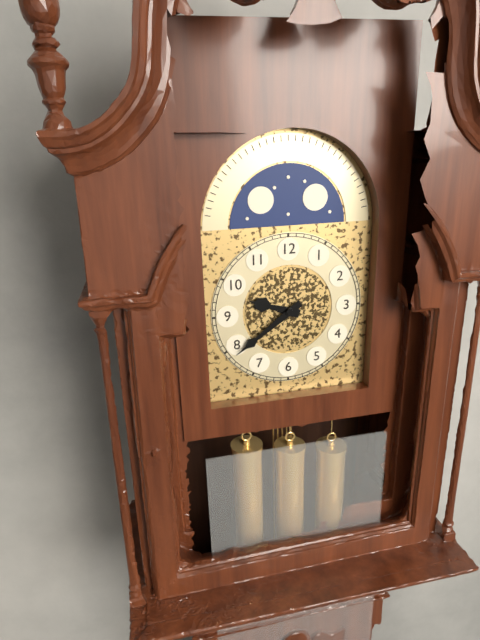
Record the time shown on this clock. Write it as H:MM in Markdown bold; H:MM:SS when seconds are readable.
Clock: **9:39**
